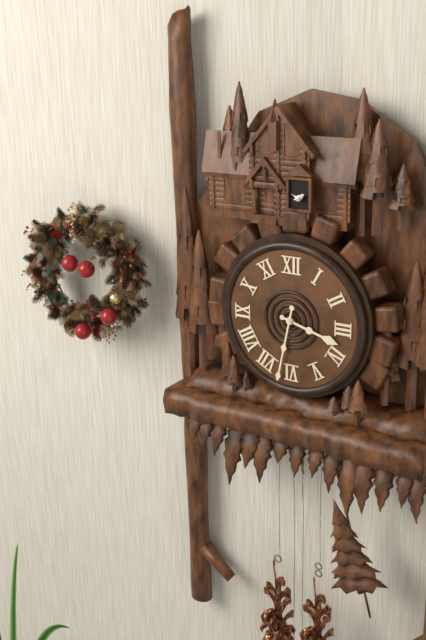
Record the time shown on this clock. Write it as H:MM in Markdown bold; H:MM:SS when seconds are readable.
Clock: **3:32**
